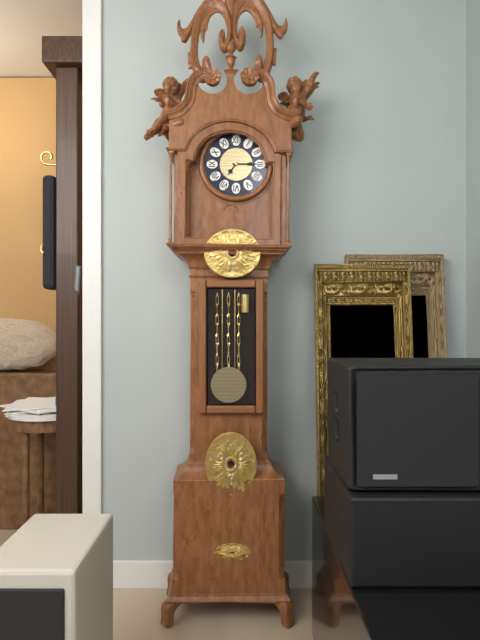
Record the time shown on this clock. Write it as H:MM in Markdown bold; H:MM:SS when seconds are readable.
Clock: **7:15**
